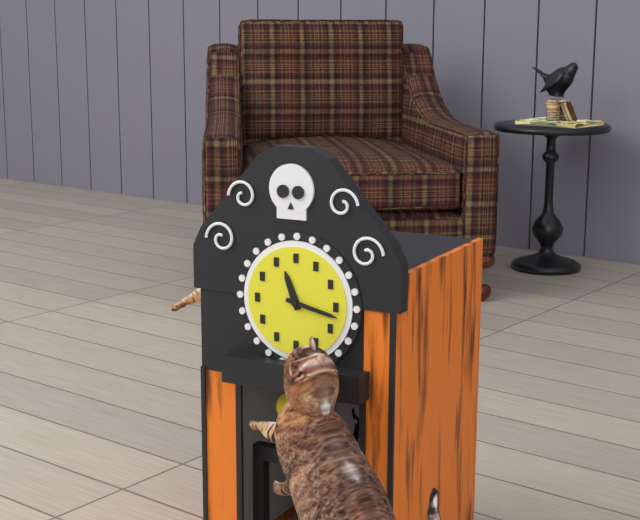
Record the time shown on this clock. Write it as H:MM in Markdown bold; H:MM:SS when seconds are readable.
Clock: **11:17**
